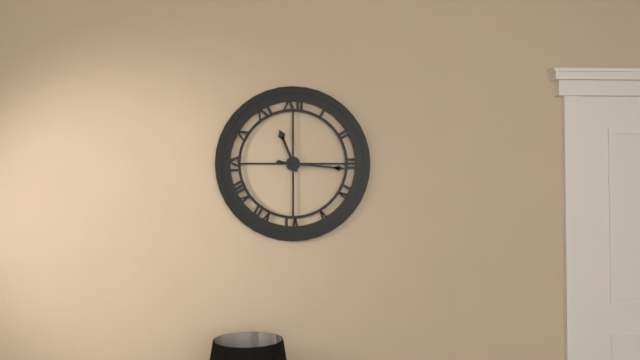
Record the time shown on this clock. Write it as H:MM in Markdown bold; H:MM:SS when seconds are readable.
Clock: **11:16**
